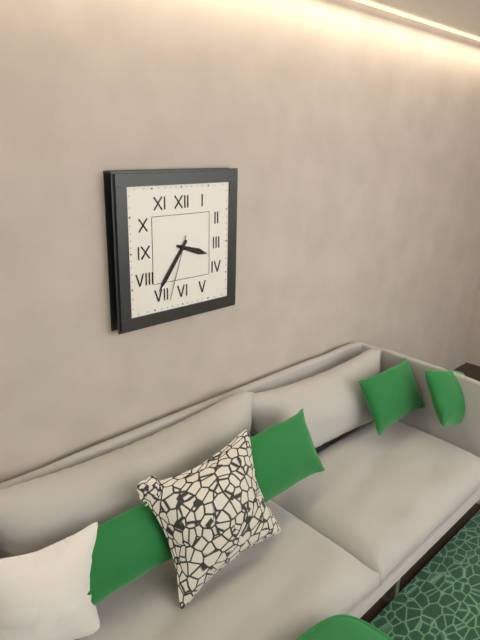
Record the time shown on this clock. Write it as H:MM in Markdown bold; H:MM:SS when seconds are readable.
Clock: **3:36:33**
